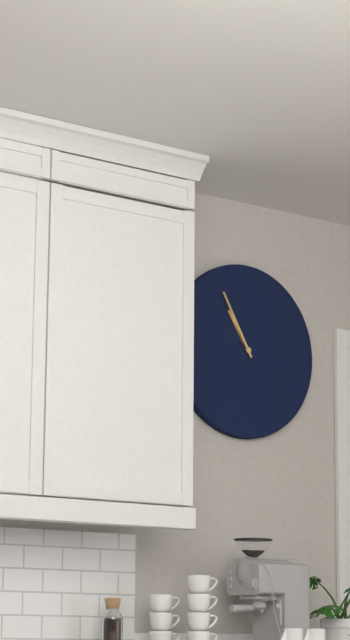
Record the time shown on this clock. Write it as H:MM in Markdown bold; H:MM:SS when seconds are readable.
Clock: **10:55**
